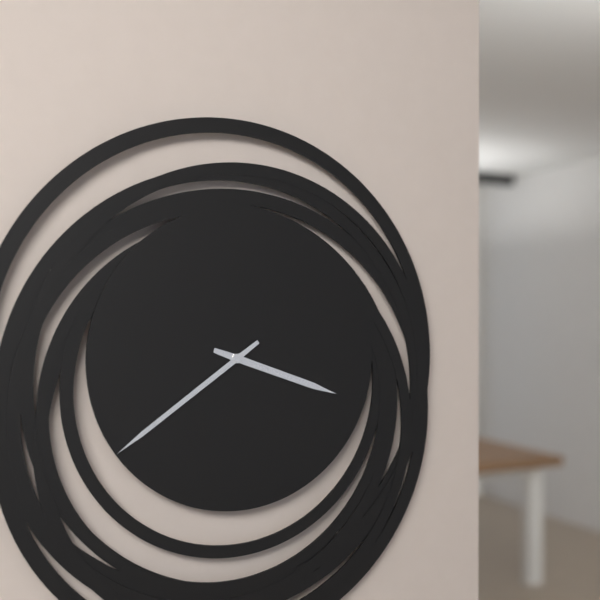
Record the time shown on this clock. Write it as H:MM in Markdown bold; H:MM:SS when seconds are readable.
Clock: **3:39**
